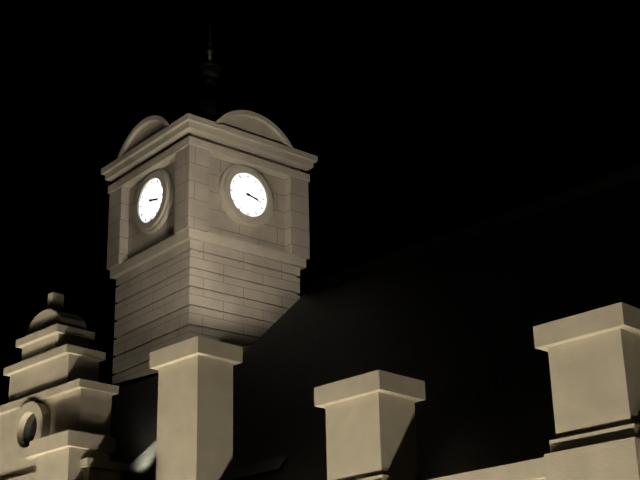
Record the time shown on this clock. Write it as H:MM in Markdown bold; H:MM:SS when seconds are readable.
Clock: **3:18**
